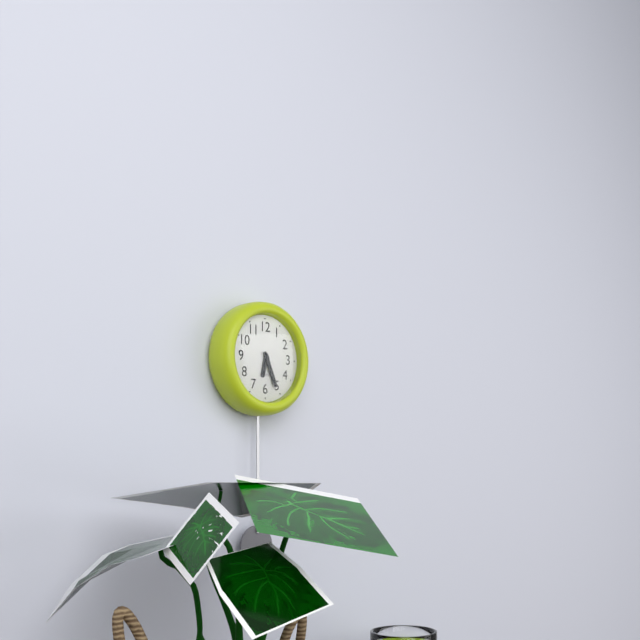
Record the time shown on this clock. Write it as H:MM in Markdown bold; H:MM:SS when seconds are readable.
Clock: **6:26**
